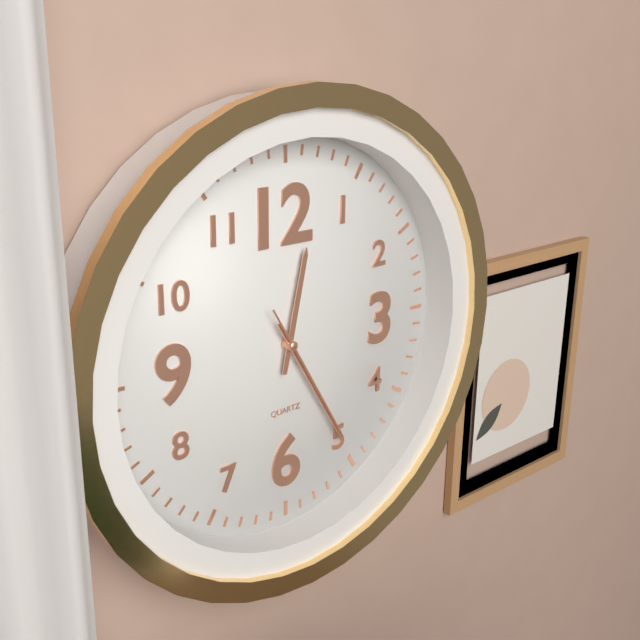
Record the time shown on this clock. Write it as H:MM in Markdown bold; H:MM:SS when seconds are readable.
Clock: **12:25:25**
